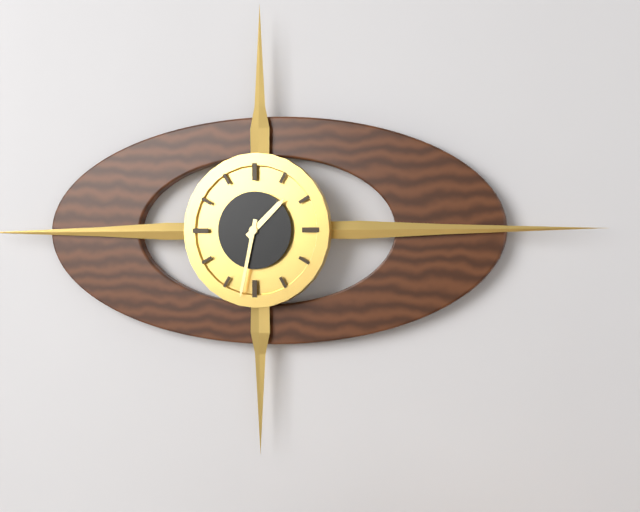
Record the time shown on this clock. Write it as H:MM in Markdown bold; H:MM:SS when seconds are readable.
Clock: **1:32**
